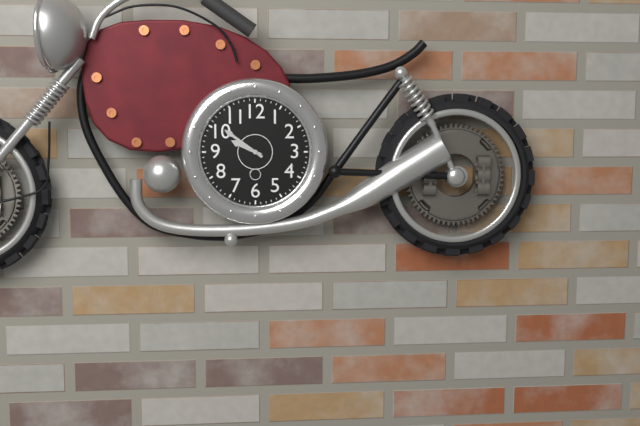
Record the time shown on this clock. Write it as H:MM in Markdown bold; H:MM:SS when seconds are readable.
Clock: **9:51**
